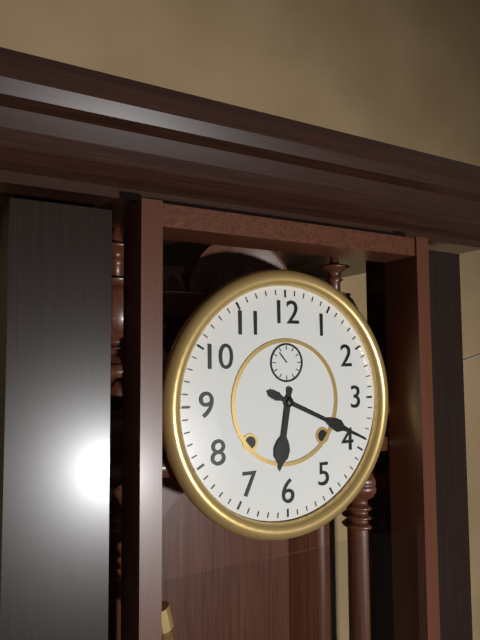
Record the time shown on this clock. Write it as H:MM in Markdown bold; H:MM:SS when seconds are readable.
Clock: **6:19**
